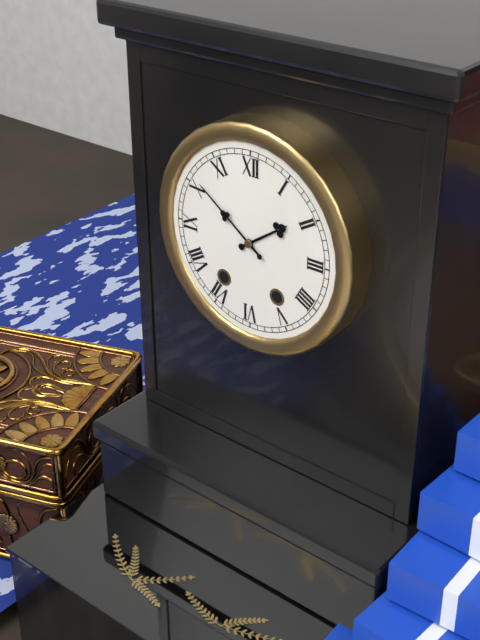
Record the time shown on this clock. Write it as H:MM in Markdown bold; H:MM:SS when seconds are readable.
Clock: **1:51**
